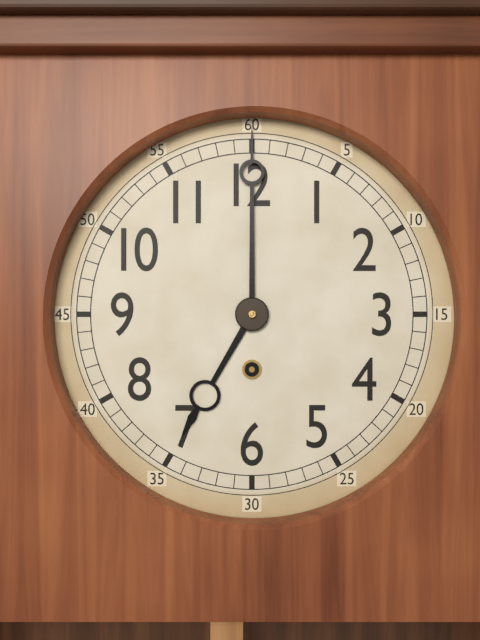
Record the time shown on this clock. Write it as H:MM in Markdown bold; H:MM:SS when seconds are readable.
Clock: **7:00**
